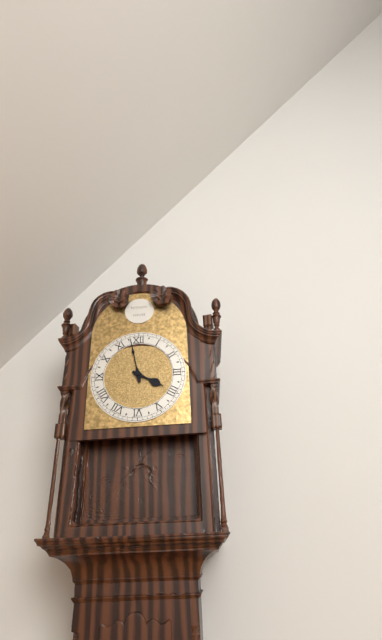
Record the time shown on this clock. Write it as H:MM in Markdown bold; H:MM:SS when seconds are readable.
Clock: **3:58**
